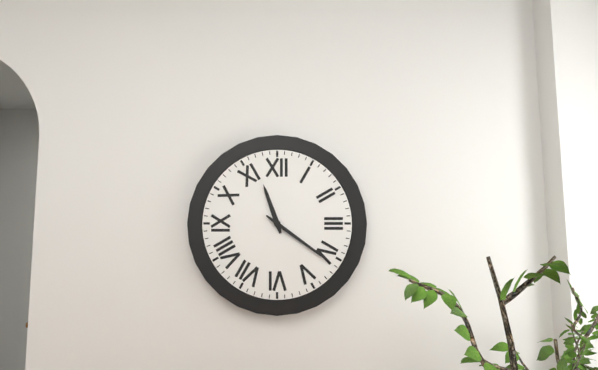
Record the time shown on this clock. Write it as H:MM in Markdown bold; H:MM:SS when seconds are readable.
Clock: **11:21**
